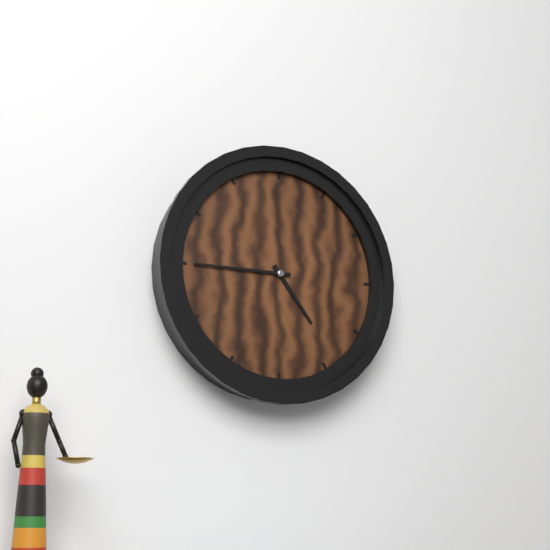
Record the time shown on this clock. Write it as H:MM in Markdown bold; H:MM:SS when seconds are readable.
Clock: **4:45**
